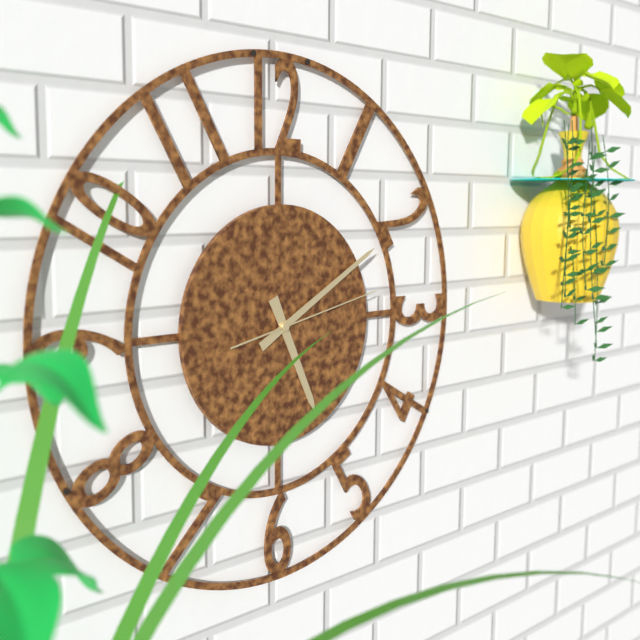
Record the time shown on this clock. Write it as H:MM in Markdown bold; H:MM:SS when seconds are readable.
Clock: **5:10:13**
